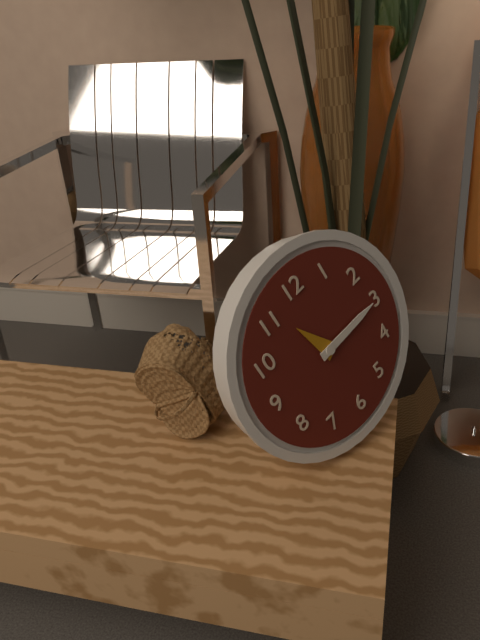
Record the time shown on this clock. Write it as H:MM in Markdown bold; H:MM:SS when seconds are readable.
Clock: **11:15**
